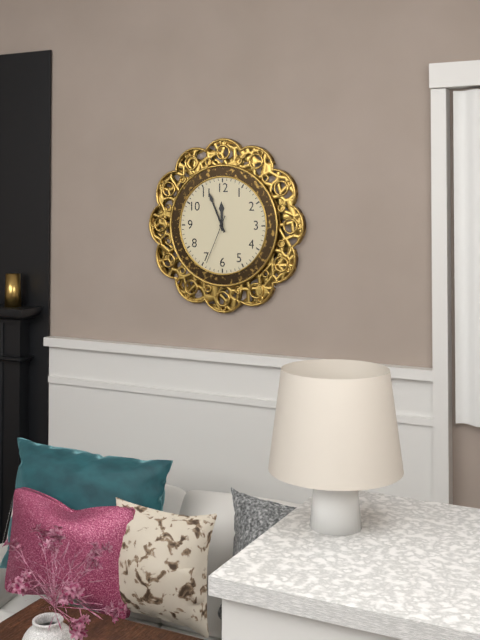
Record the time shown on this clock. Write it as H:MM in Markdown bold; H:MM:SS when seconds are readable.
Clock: **11:56:34**
